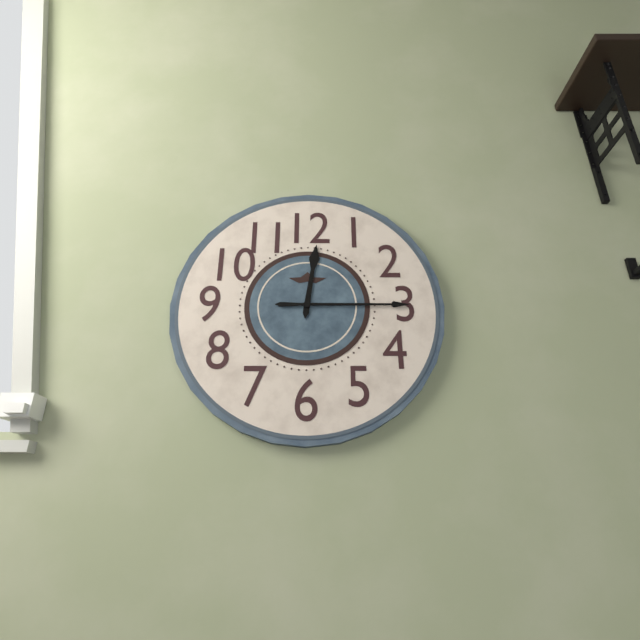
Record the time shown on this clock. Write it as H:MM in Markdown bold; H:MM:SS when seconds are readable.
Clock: **12:15**
